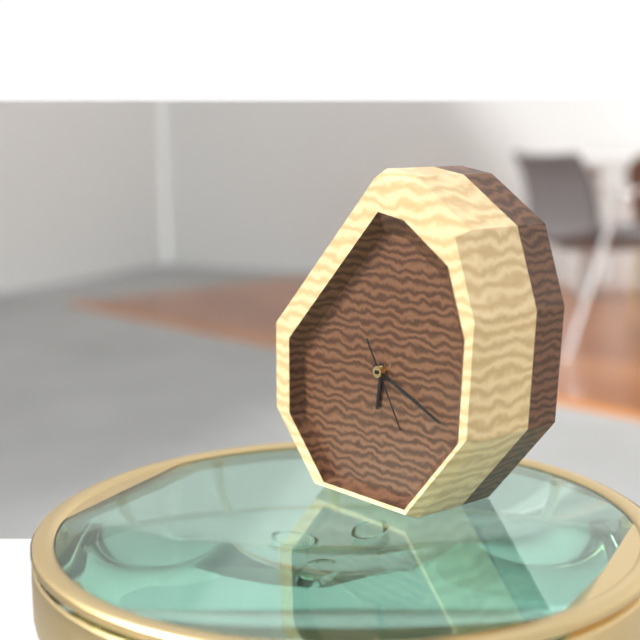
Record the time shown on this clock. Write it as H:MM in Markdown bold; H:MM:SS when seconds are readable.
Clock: **6:19:25**
